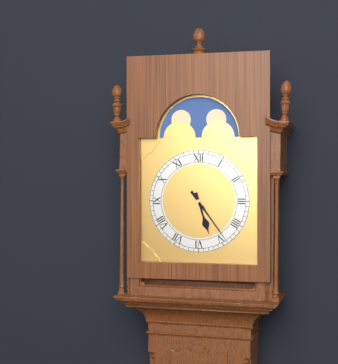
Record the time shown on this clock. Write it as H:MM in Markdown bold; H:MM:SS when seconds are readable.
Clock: **5:24**
